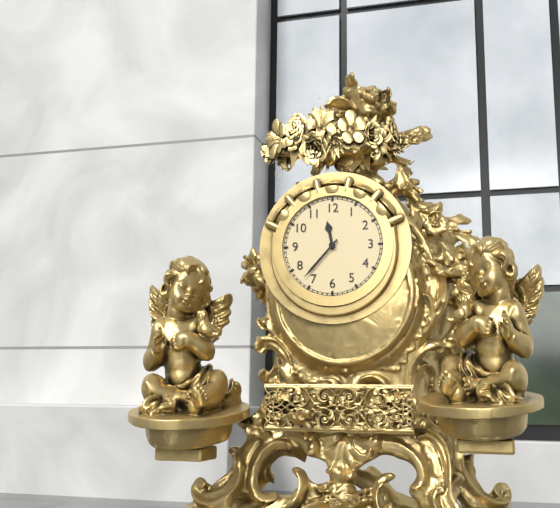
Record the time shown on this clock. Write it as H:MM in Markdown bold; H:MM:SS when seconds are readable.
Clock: **11:37**
